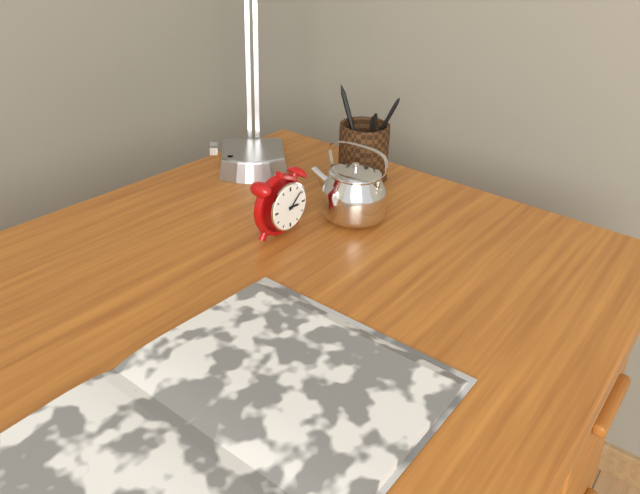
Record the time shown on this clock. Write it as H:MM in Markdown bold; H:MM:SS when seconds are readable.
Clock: **3:08**
